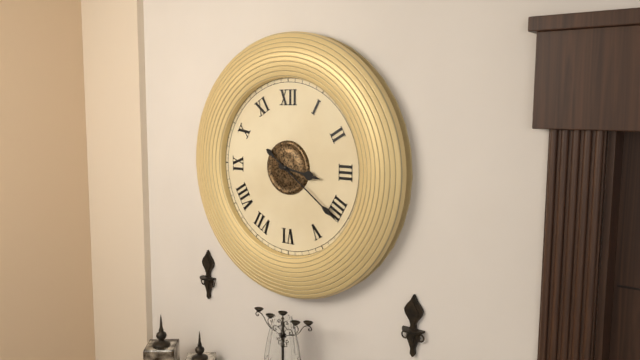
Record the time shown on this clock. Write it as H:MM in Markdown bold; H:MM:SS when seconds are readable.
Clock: **3:21**
